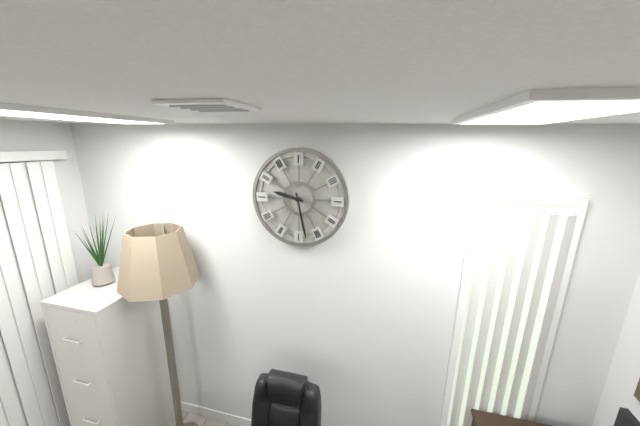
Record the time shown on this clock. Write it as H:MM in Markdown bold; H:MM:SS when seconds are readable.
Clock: **9:28**
